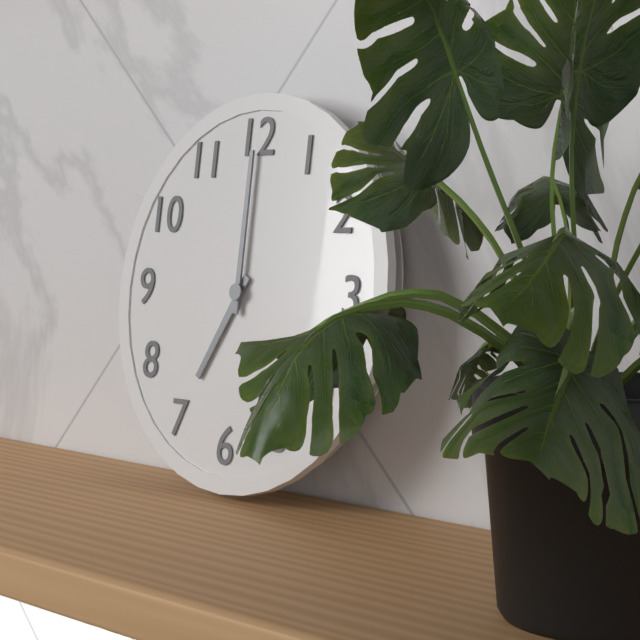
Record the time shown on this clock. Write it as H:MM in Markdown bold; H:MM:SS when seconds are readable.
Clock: **7:00**
